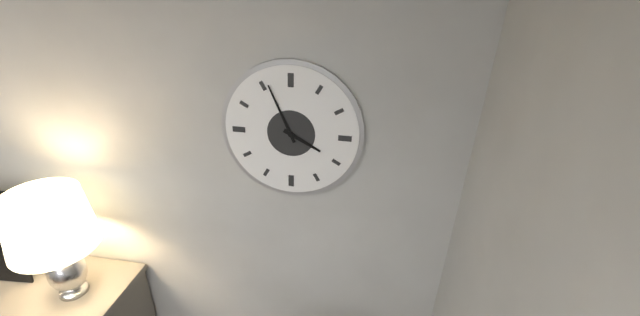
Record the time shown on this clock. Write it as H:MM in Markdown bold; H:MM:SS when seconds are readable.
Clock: **3:56**
